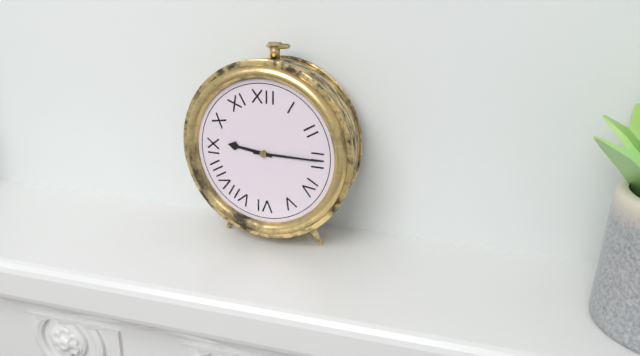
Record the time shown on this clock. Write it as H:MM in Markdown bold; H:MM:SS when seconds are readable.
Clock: **9:15**
